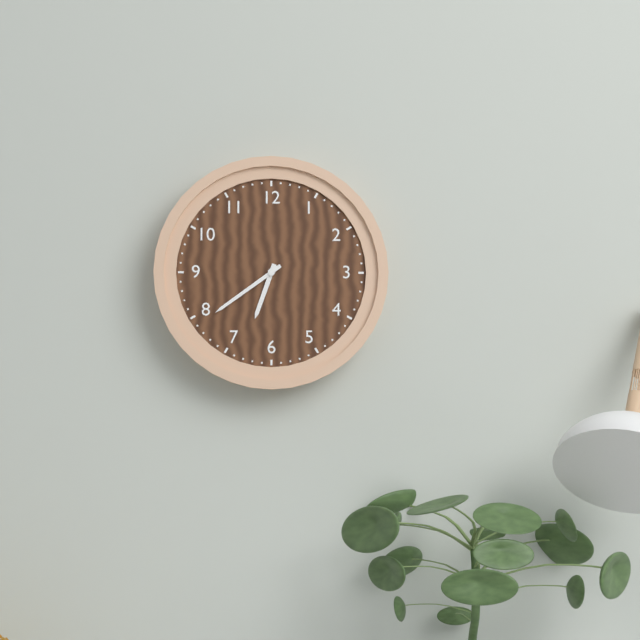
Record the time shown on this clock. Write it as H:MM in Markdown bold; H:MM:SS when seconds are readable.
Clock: **6:39**
